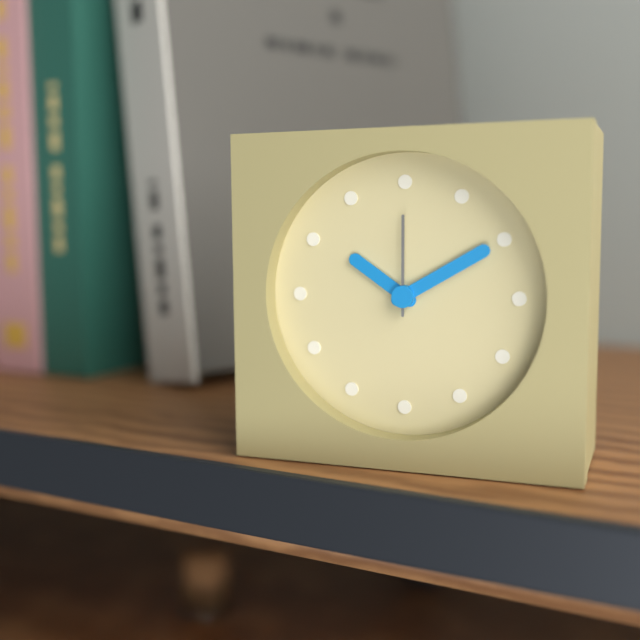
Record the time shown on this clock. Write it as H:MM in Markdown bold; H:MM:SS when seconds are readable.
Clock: **10:10:00**
